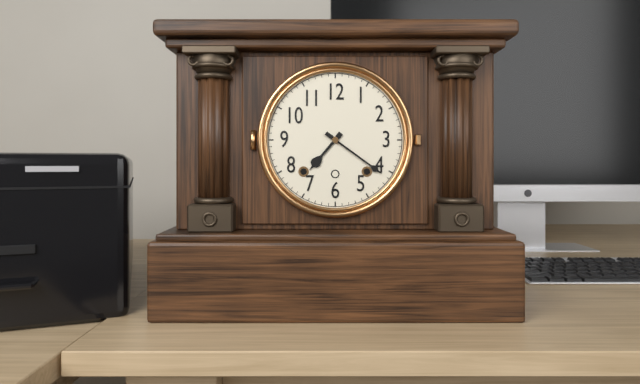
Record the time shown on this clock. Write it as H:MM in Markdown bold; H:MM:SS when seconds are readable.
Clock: **7:21**
